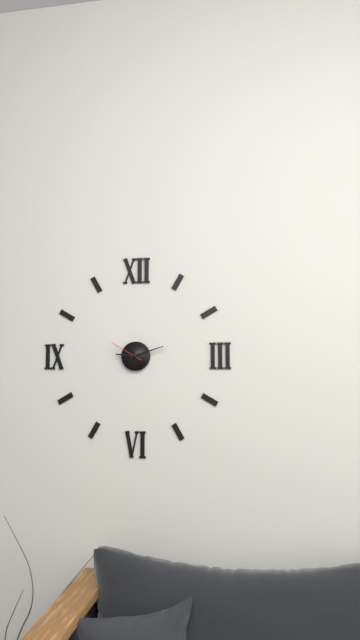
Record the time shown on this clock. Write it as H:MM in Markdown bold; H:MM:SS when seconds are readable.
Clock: **9:12**
